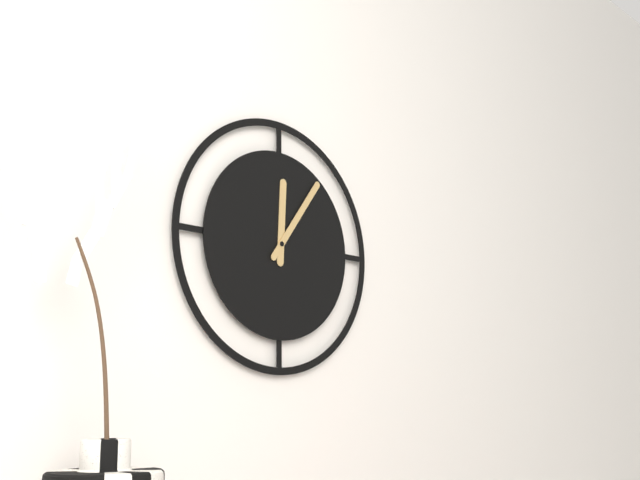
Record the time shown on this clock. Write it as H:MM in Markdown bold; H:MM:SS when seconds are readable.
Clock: **12:06**
